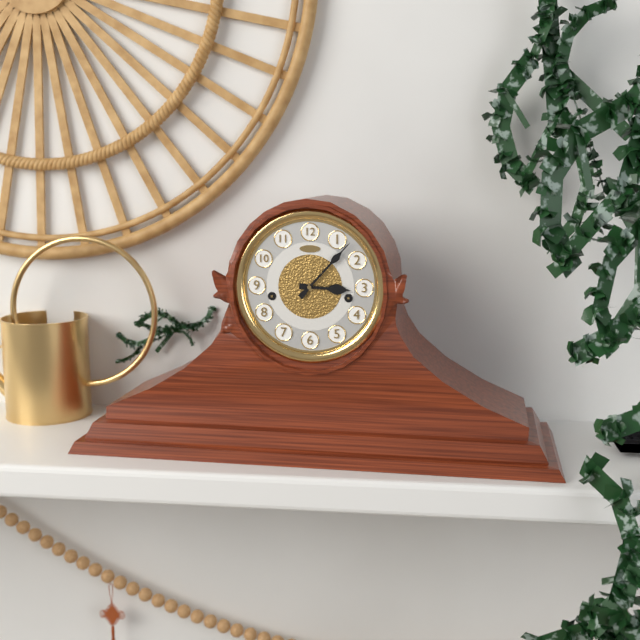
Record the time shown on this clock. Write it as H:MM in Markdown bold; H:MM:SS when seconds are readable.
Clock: **3:07**
